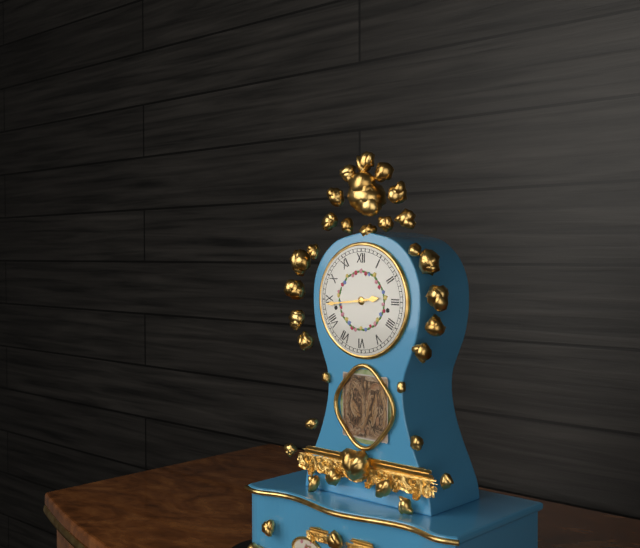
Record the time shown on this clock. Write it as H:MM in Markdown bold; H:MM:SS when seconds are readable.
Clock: **2:44**
